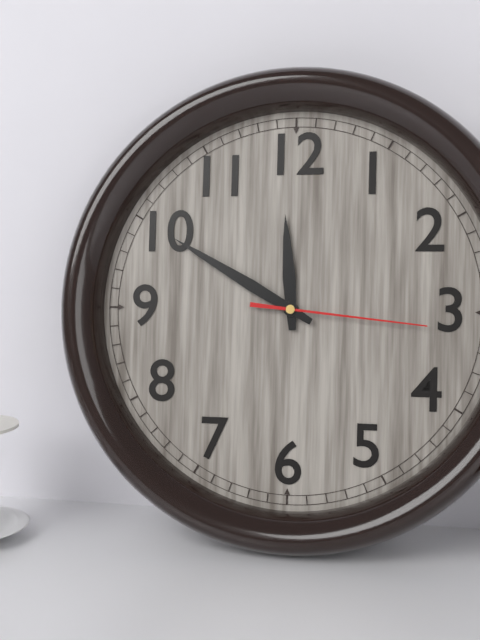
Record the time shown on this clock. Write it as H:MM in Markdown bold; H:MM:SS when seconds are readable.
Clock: **11:50:16**
